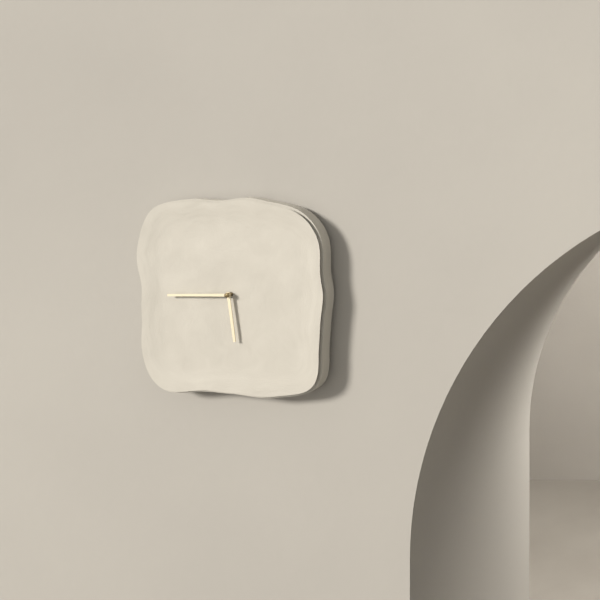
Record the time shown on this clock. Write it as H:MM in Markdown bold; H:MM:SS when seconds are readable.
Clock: **5:45**
